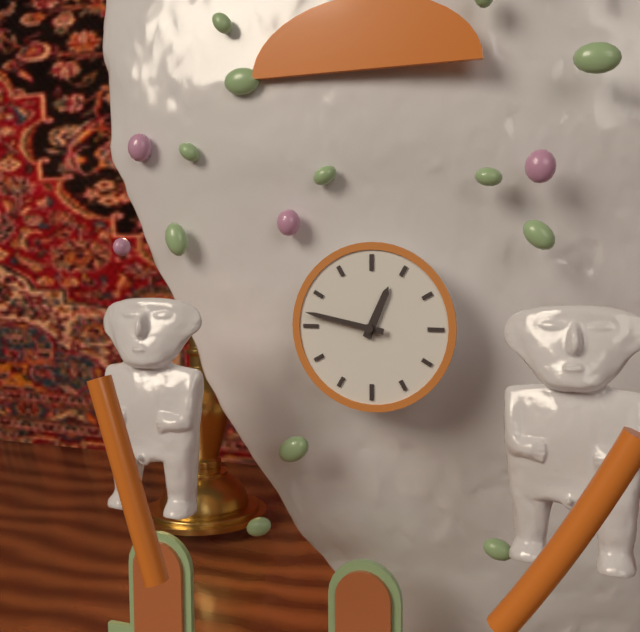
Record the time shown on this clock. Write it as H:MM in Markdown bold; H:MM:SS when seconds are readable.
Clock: **12:47**
